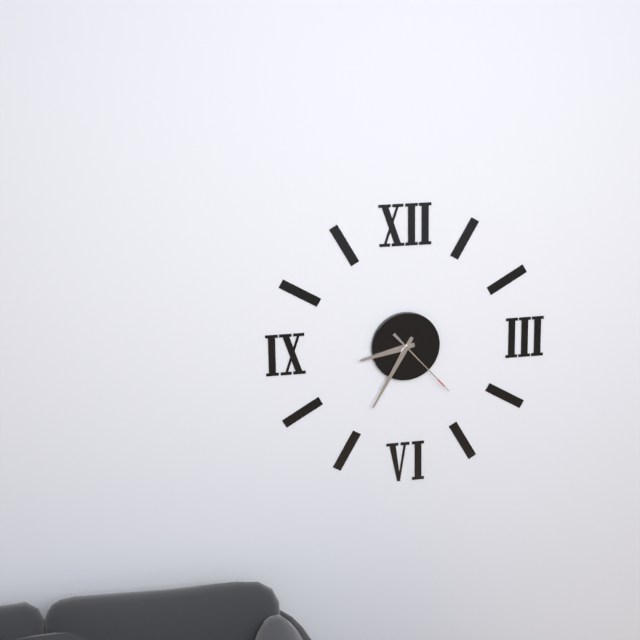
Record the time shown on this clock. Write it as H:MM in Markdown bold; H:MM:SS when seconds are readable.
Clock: **8:35:23**
